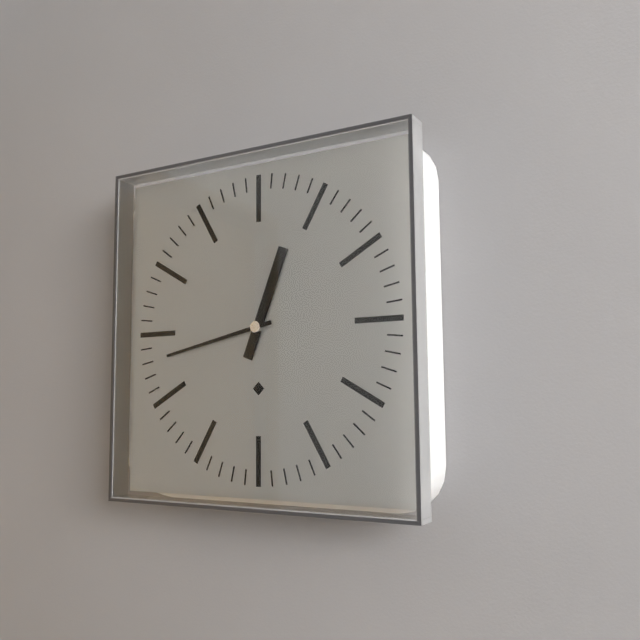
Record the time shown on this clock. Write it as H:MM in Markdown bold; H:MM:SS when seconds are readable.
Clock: **12:43**
